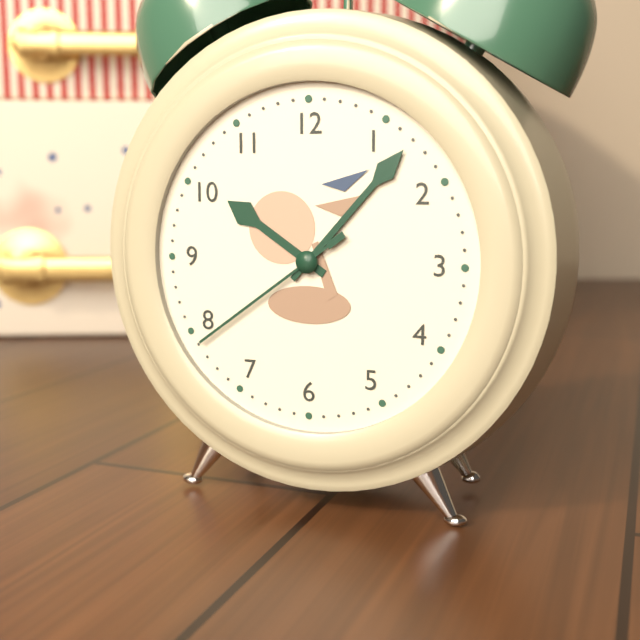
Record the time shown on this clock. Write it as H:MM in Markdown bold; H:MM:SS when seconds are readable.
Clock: **10:07:39**
